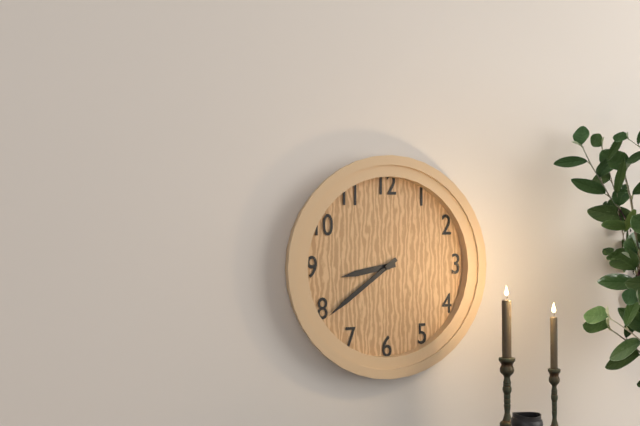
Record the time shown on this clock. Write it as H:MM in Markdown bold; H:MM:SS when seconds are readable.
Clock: **8:39**
